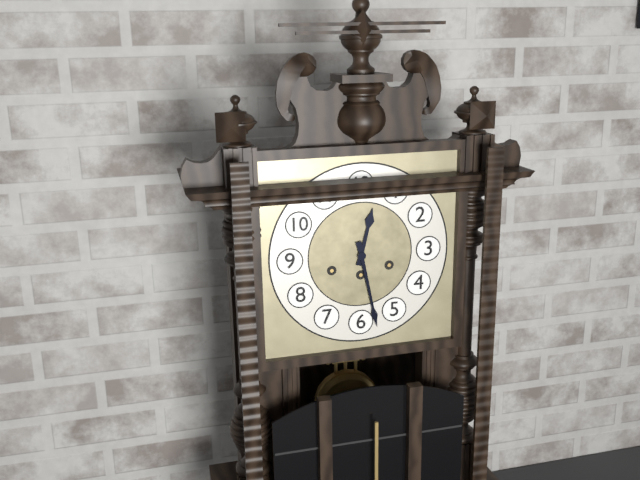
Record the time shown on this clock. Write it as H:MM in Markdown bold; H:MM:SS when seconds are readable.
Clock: **12:28**
